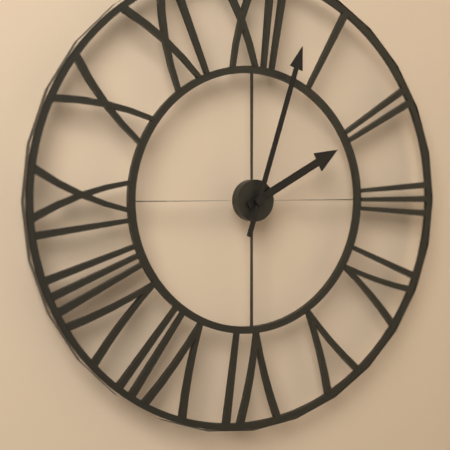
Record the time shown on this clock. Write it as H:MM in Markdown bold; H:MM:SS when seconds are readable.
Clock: **2:03**
